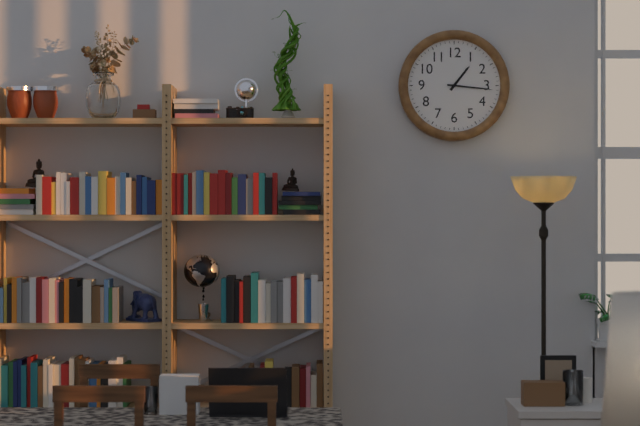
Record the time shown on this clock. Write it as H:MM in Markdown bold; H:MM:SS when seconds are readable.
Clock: **1:16**
